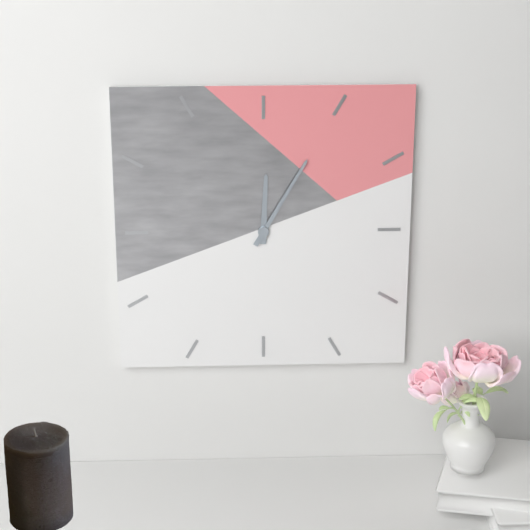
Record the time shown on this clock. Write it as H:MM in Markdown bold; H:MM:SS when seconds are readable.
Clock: **12:05**
